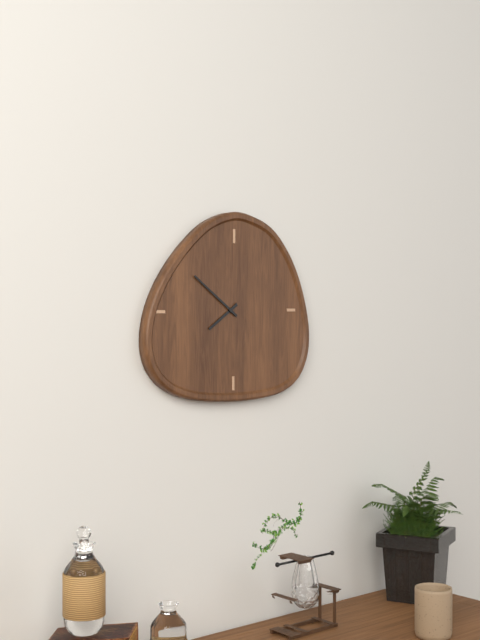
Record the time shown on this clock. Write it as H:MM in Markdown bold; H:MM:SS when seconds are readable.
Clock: **7:51**
